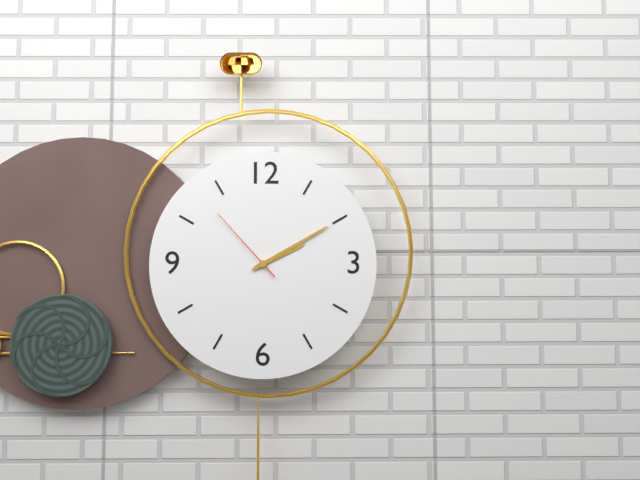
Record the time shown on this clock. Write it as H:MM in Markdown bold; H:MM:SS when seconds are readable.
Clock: **2:10:53**
